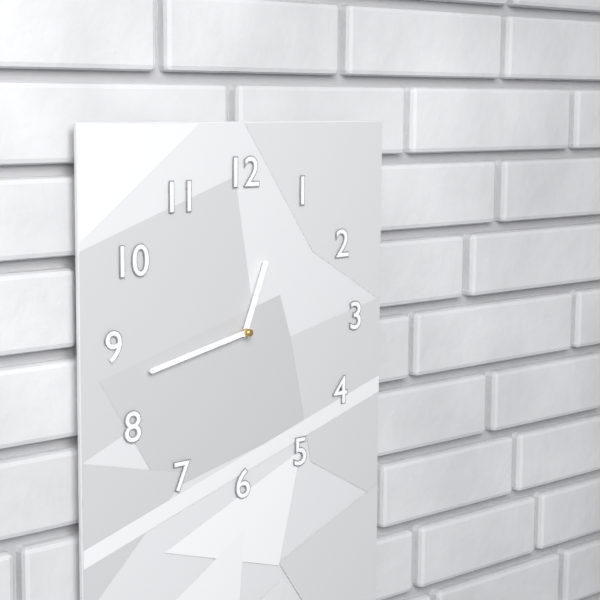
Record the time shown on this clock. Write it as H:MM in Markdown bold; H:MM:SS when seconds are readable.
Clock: **12:43**
